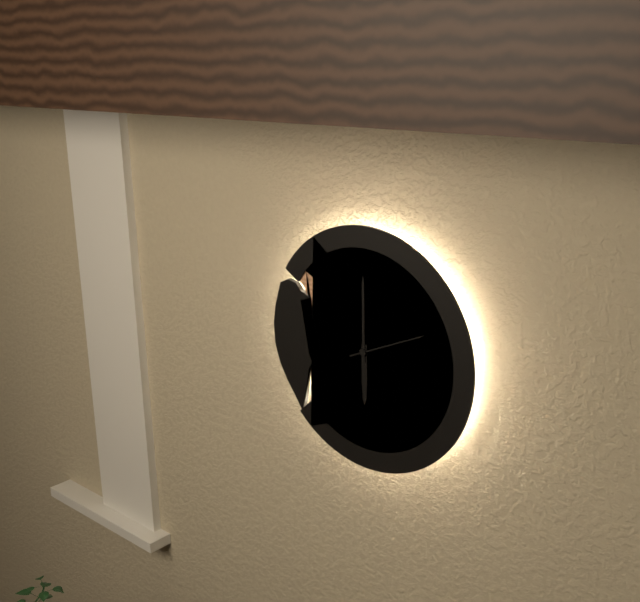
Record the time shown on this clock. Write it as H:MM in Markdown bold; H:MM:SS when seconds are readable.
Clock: **6:00:11**
